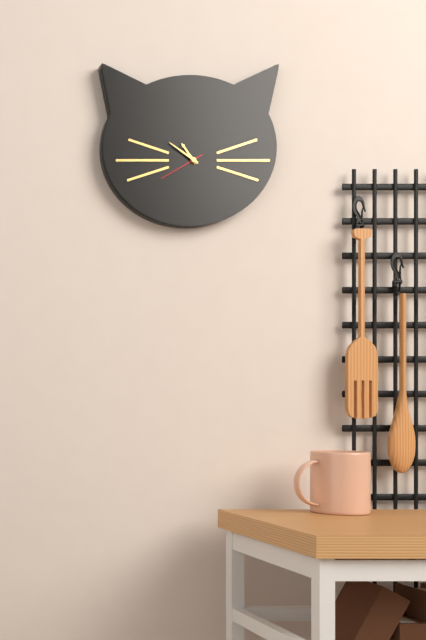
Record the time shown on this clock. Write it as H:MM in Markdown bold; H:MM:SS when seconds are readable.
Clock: **10:51**
